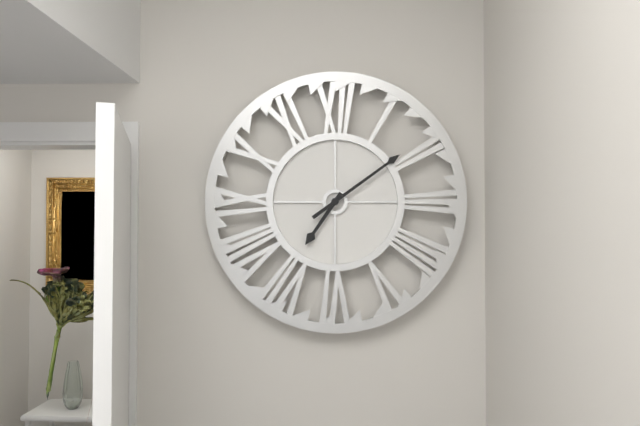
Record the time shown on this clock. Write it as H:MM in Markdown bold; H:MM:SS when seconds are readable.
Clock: **7:09**
